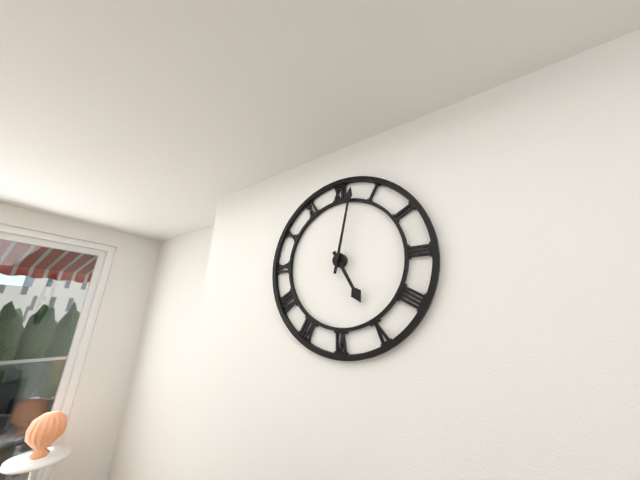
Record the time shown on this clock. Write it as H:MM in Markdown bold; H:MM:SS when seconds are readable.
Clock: **5:02**
